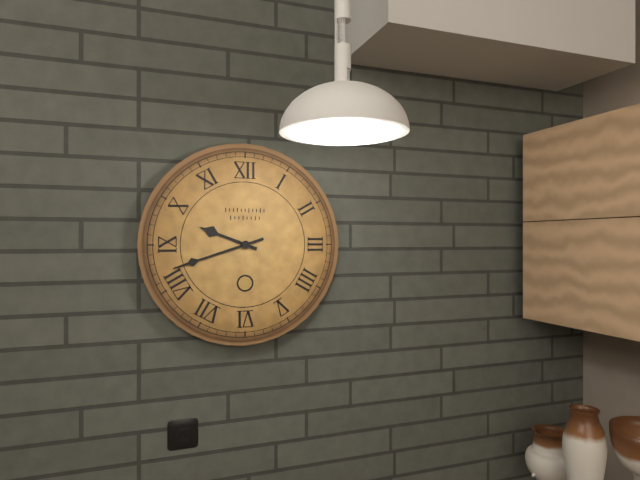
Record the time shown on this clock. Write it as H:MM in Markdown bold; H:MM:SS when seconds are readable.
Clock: **9:42**
